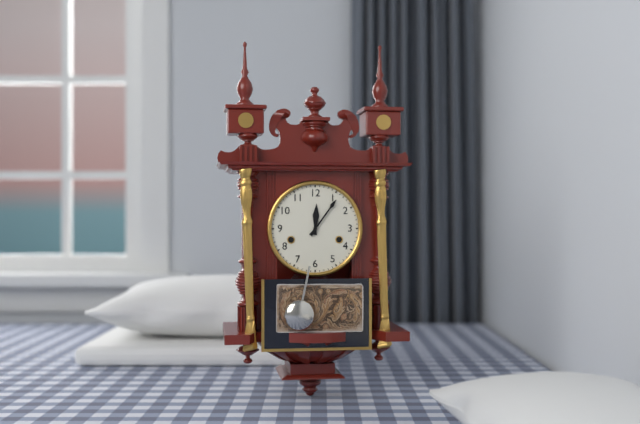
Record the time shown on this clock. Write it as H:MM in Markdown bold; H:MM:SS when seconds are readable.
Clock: **12:06**
